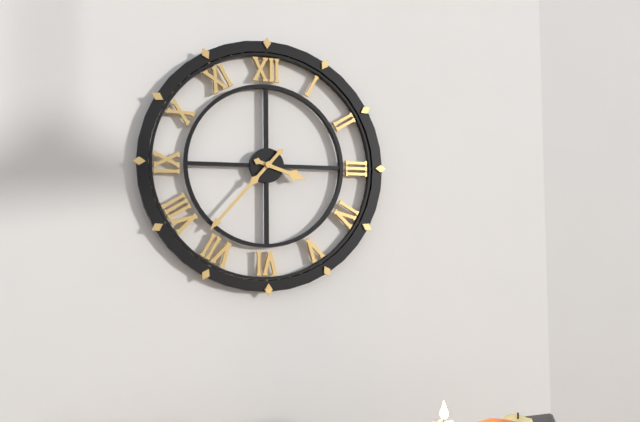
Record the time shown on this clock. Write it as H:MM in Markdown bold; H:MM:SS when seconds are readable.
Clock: **3:37**
